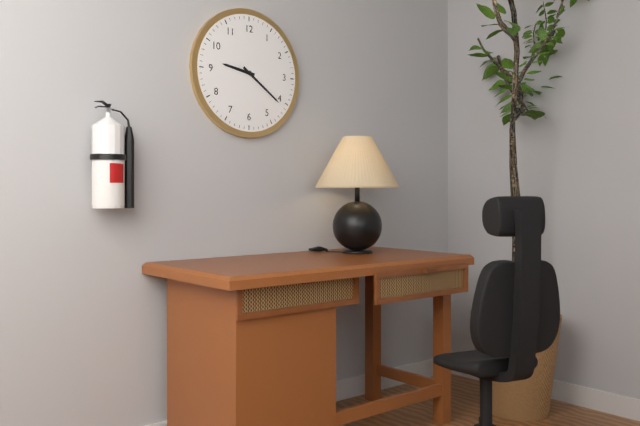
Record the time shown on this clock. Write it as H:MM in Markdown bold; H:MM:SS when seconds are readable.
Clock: **9:21**
